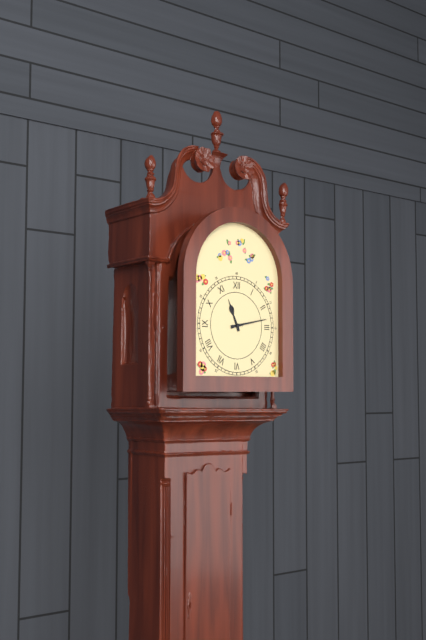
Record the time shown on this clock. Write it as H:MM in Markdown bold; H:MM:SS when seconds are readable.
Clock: **11:13**
